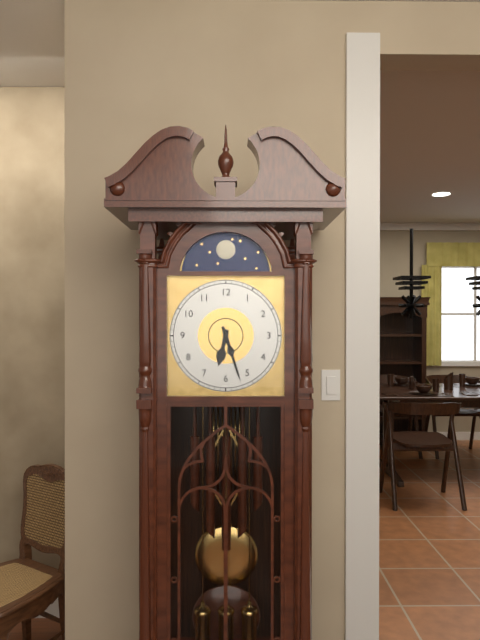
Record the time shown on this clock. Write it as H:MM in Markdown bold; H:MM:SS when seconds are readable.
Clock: **6:27**
